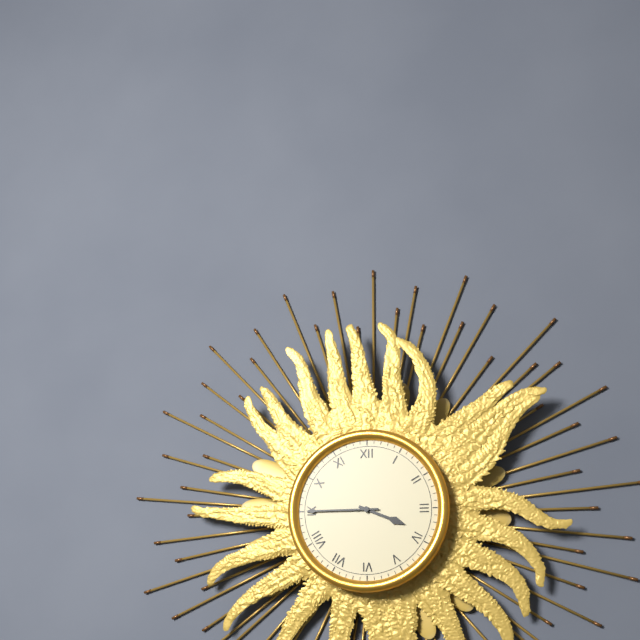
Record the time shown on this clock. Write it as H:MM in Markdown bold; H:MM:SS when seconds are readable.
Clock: **3:45**
